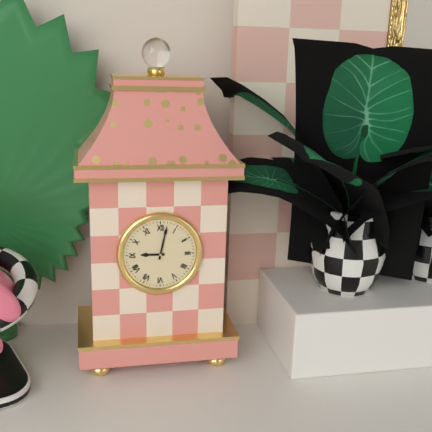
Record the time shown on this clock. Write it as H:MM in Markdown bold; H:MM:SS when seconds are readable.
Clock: **9:02**
